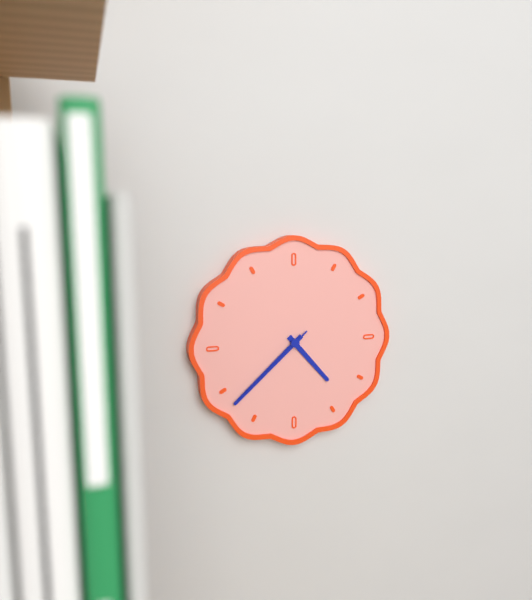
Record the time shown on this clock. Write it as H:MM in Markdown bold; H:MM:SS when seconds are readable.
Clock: **4:38:38**
